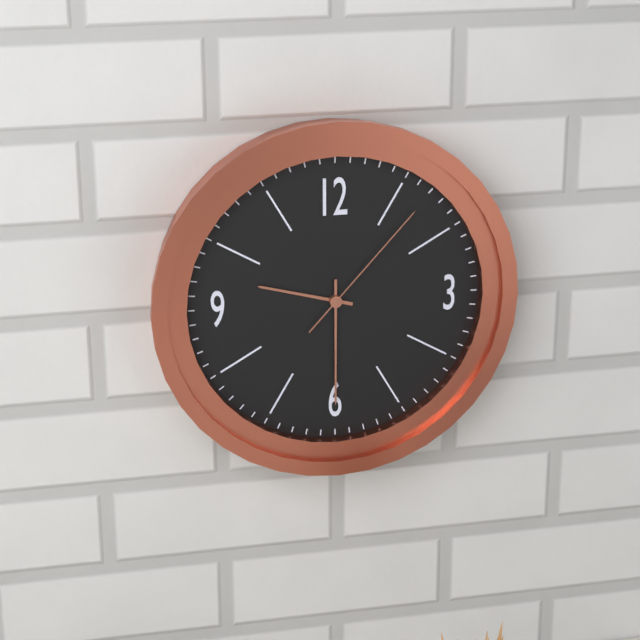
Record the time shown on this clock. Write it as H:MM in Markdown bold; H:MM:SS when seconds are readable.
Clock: **9:30:07**
